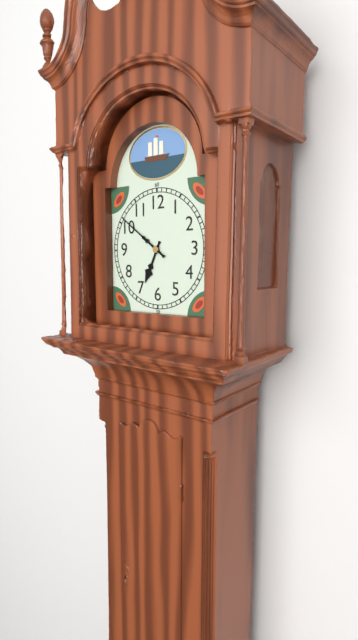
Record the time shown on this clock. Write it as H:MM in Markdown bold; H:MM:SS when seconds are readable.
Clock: **6:51**
